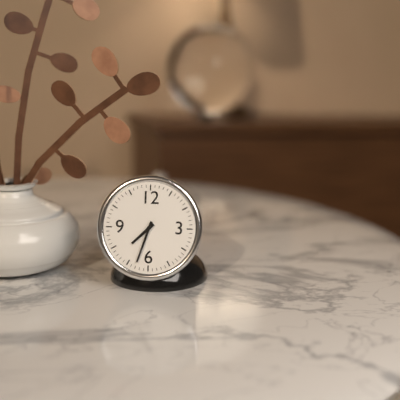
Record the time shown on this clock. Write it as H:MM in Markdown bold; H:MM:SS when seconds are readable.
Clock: **7:33**
